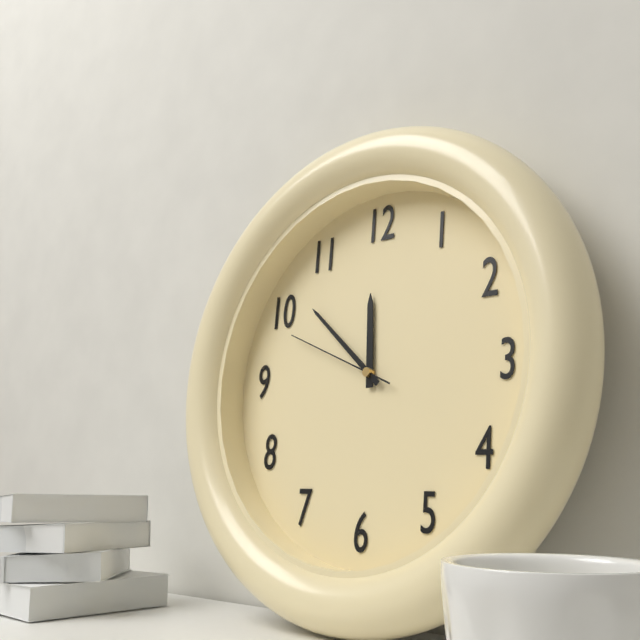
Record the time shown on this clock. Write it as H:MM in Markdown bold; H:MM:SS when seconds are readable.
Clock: **11:52:49**
